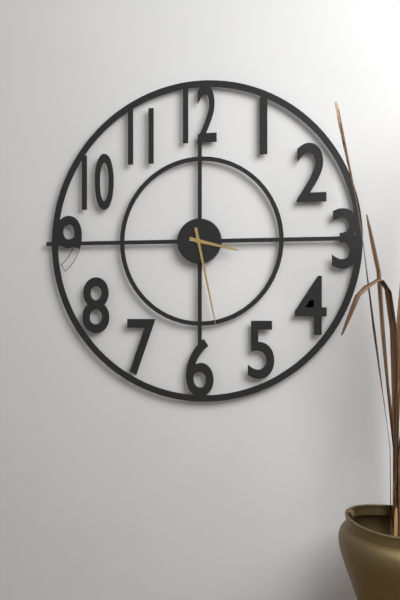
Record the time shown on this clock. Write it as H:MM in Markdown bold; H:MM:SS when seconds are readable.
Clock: **3:28**
